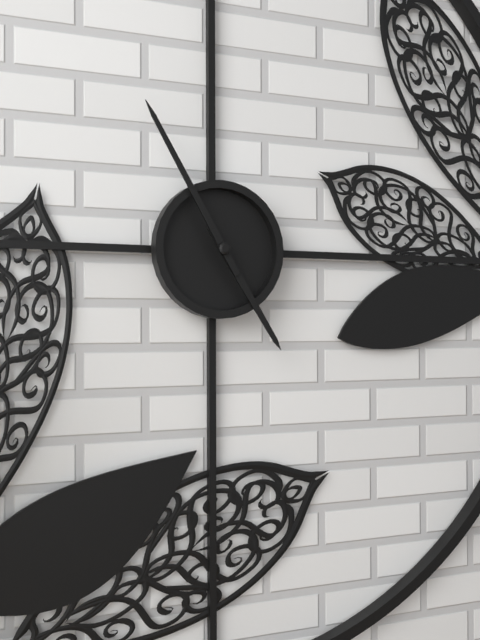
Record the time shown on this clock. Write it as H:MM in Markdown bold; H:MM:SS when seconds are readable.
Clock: **4:55**
